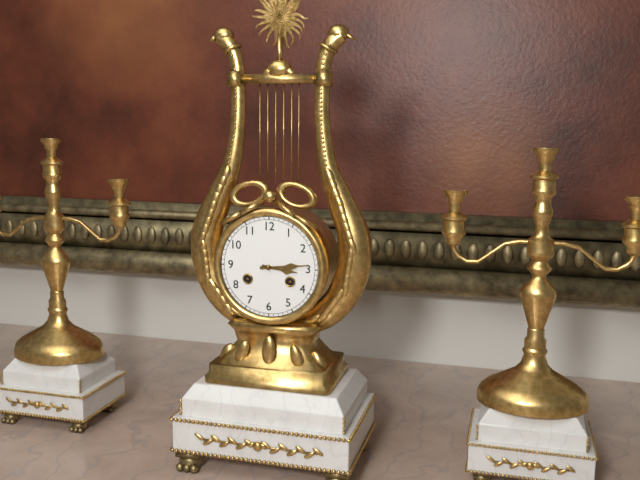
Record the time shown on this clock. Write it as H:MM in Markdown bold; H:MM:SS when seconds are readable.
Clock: **3:14**
